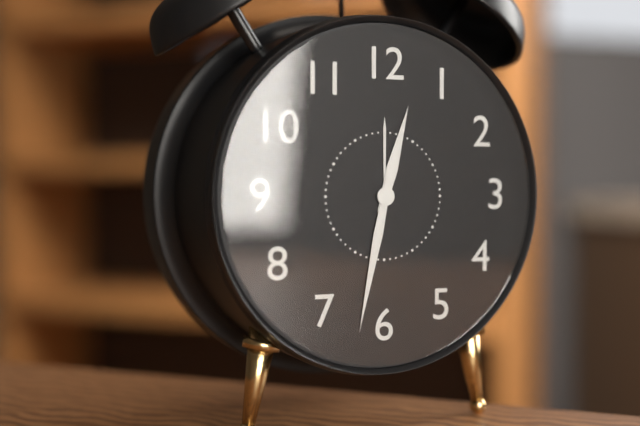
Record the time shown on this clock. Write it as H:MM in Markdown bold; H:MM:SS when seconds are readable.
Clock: **12:32**
